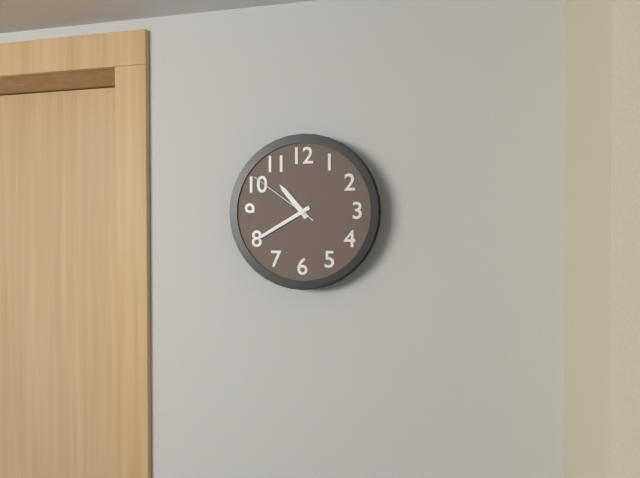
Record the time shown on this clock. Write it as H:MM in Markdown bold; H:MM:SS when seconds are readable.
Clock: **10:40:51**
